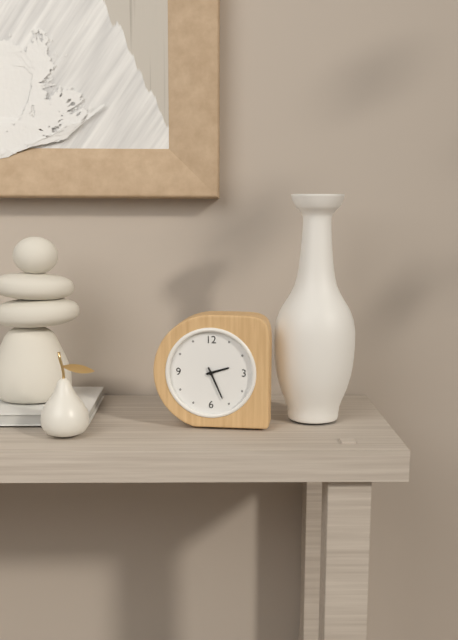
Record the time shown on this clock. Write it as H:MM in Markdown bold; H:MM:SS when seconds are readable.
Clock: **2:26**
